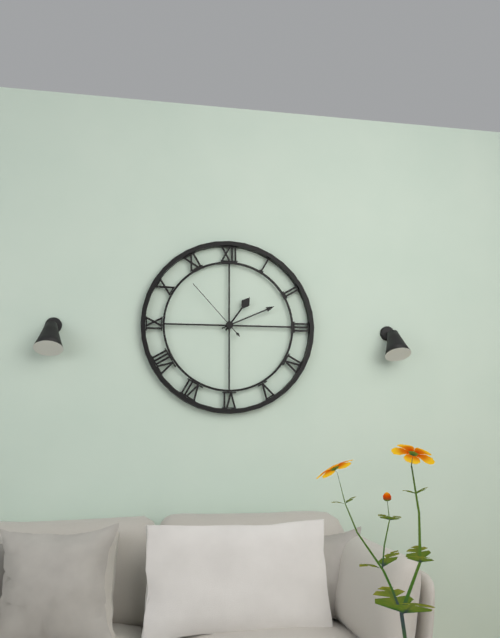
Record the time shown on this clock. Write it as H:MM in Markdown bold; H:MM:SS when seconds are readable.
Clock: **1:11:53**
